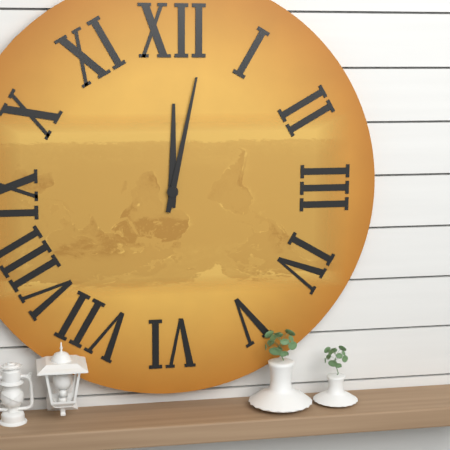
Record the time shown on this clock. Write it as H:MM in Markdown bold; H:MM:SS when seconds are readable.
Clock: **12:02**
